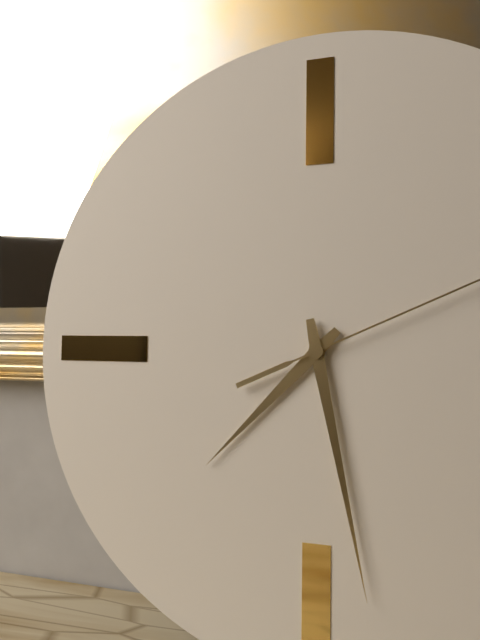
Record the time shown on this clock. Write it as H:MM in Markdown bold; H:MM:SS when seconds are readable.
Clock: **7:28**
